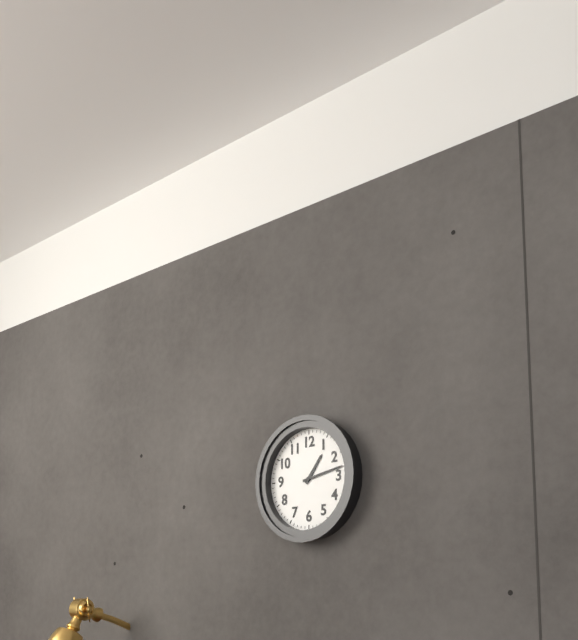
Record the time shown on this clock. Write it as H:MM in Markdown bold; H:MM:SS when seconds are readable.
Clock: **1:13**
